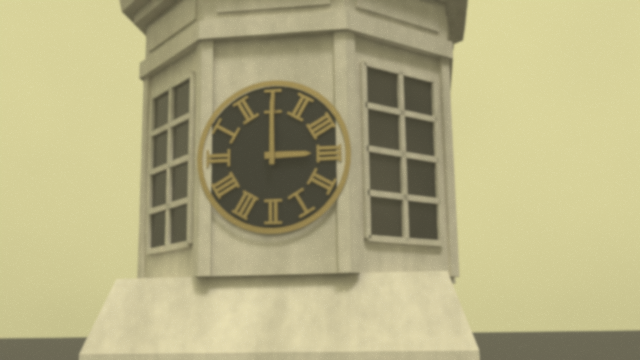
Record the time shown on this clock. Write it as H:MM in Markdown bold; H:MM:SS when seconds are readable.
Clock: **3:00**
